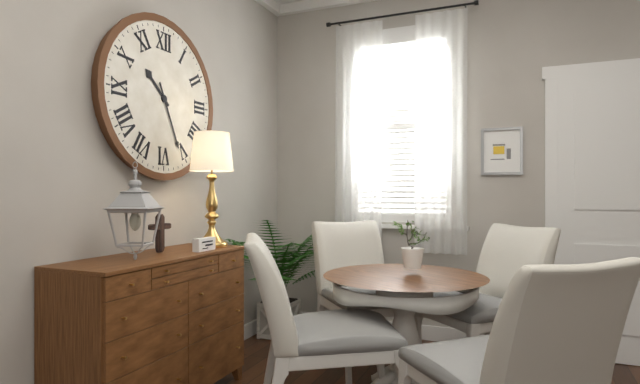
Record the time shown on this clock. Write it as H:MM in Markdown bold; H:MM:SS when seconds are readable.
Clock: **10:26**
